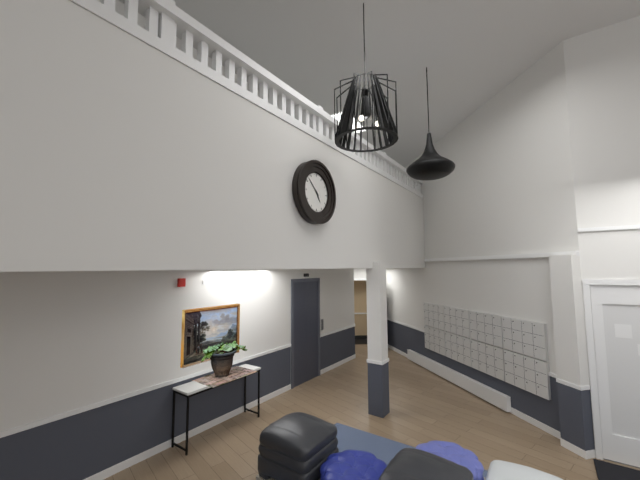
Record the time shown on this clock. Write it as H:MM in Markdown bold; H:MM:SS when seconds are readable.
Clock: **4:52**
